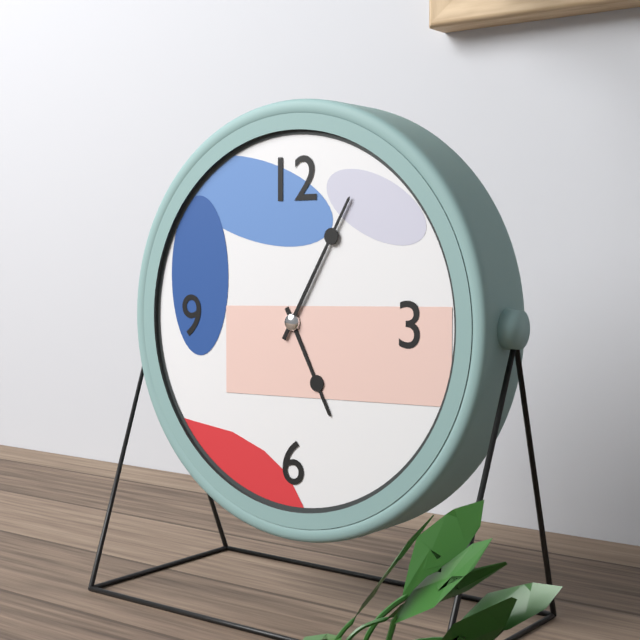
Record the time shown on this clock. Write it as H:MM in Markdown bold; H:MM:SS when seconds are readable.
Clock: **5:05**
